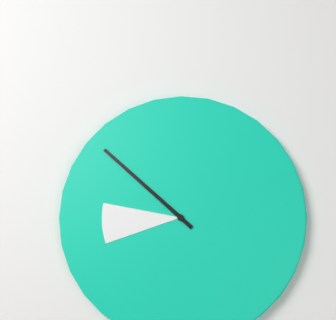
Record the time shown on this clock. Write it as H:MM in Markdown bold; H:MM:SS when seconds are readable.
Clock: **8:52**
